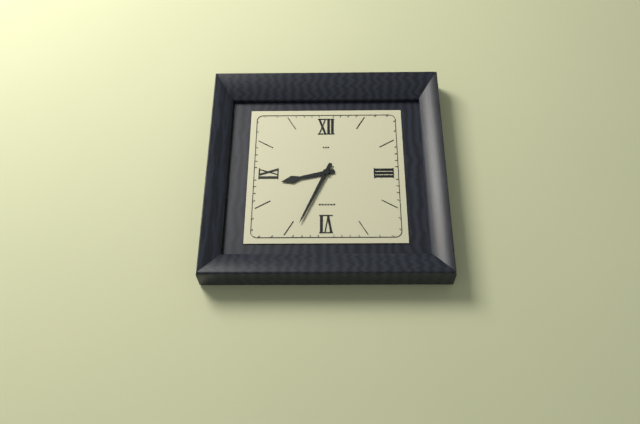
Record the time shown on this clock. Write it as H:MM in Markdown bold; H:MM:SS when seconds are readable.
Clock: **8:34**
